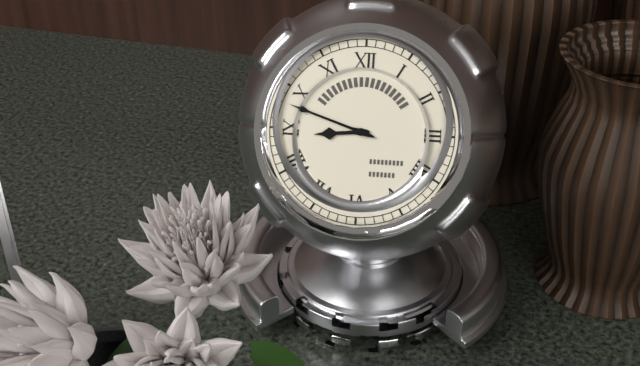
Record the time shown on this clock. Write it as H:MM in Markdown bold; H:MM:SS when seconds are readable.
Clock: **8:48**
